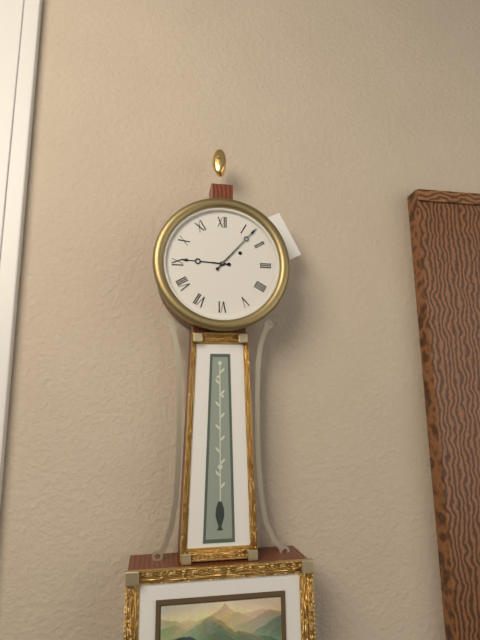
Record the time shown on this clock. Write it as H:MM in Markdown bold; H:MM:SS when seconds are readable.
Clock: **9:07**
